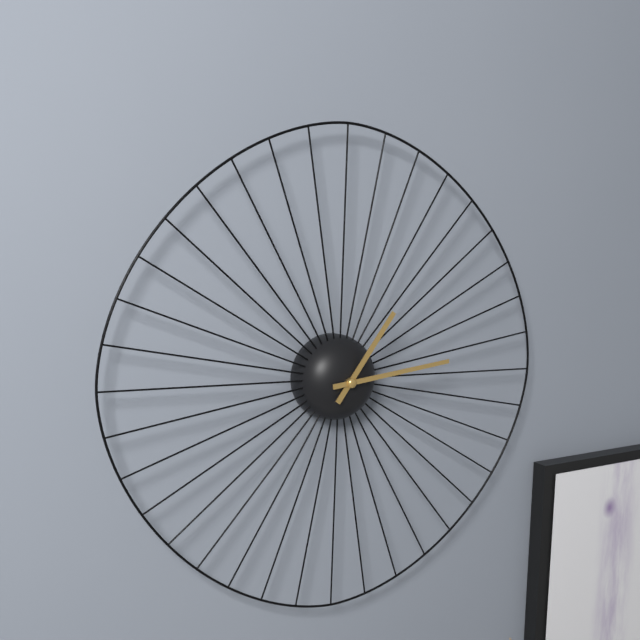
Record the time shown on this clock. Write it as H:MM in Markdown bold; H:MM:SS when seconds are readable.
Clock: **1:14**
